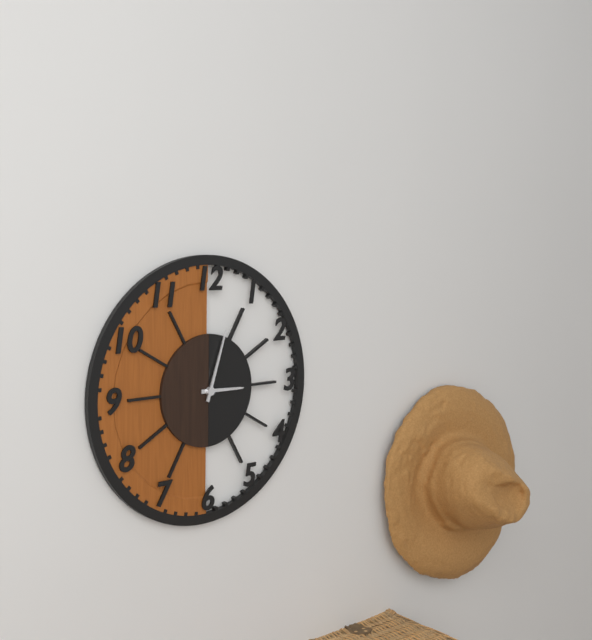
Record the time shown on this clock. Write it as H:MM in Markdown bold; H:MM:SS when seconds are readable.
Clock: **3:03**
